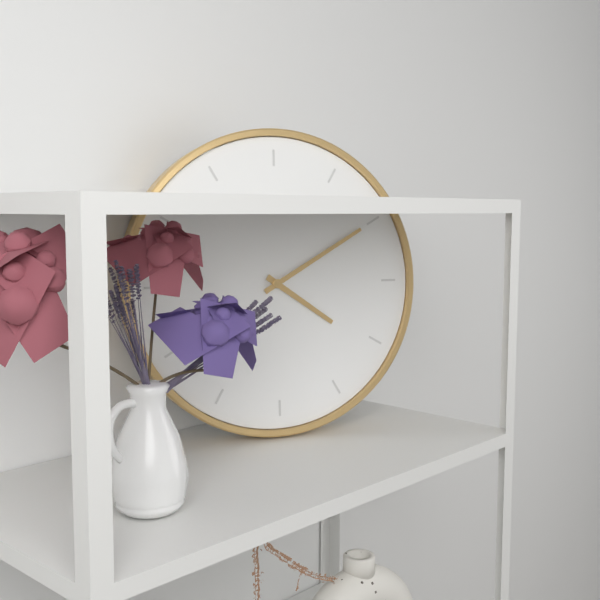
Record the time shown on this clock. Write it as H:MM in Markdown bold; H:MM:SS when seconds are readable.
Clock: **4:10**
